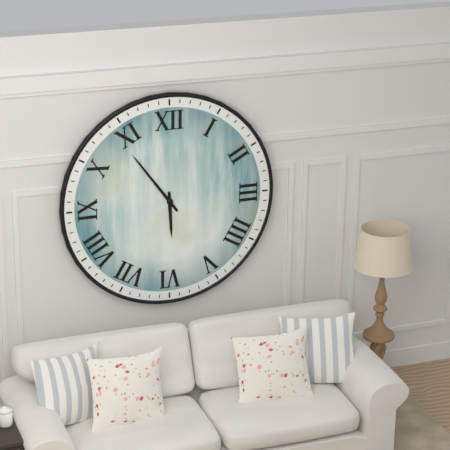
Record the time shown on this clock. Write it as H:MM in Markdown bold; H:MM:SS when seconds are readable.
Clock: **5:54**
